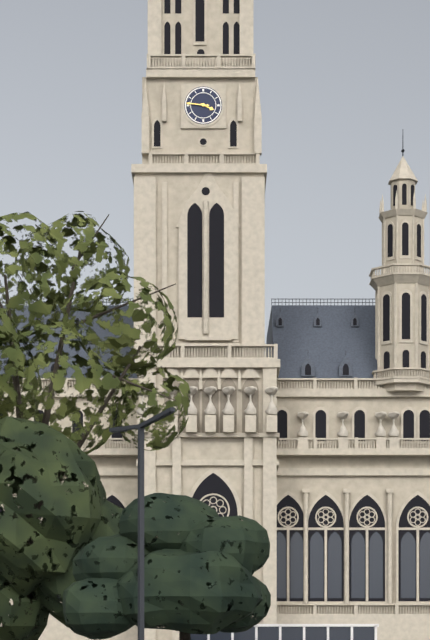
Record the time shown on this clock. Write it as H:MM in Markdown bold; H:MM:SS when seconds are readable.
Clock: **3:46**
